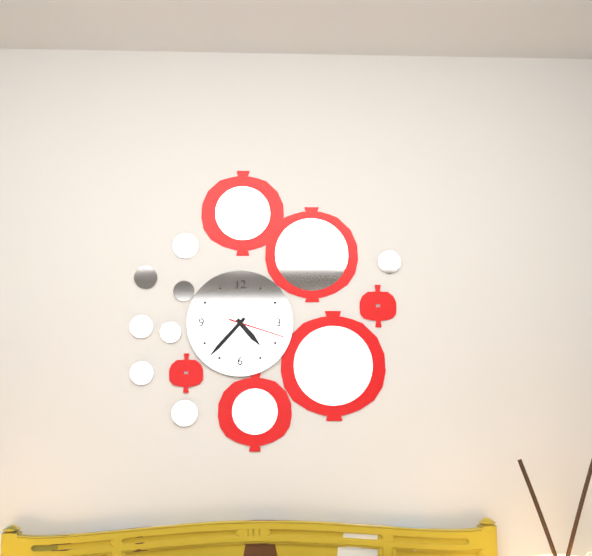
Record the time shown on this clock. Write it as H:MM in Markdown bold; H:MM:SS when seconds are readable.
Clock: **4:37:18**
